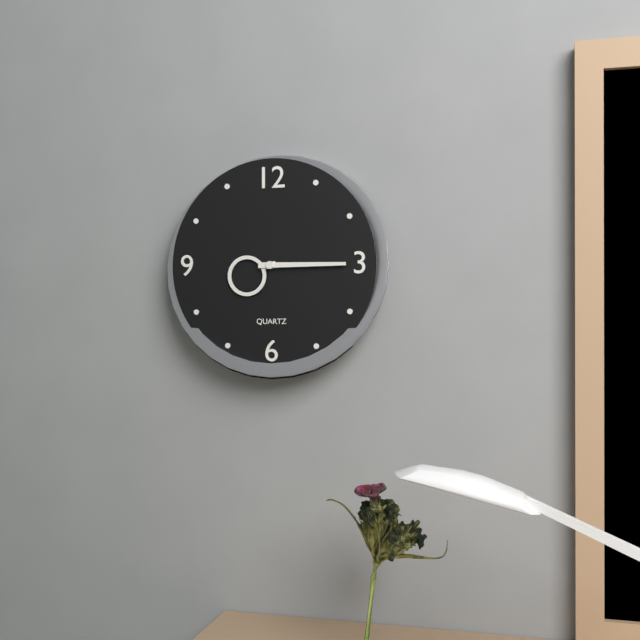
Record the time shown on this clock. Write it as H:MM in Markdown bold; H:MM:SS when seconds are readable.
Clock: **8:15**
